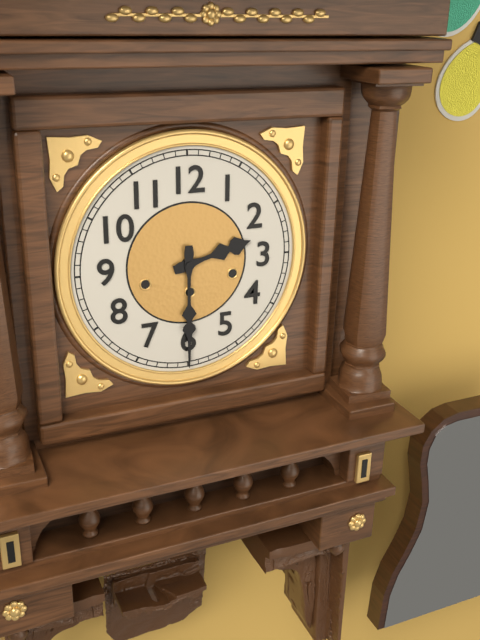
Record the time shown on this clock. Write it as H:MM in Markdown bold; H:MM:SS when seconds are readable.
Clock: **2:30**
